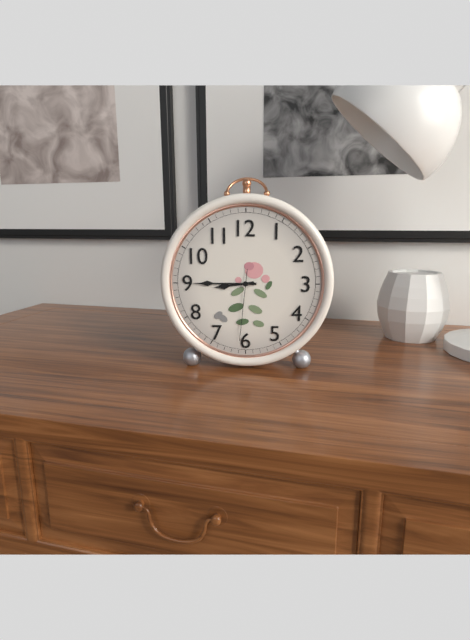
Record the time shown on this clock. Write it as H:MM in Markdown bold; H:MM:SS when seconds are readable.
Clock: **8:45:31**
